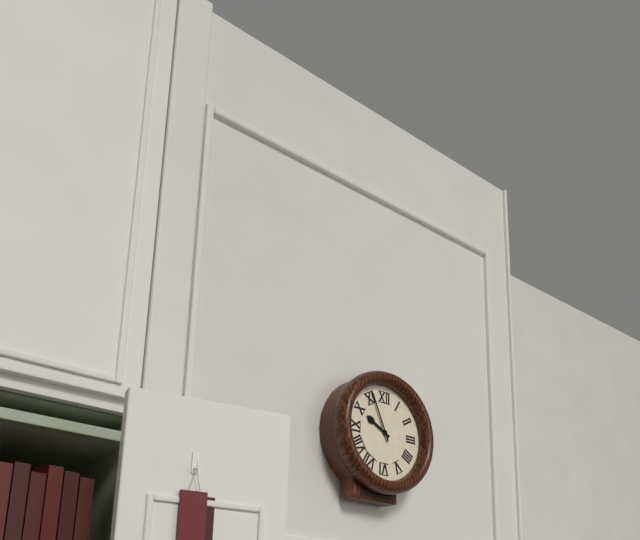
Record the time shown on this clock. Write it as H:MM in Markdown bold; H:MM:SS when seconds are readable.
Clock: **9:56**
